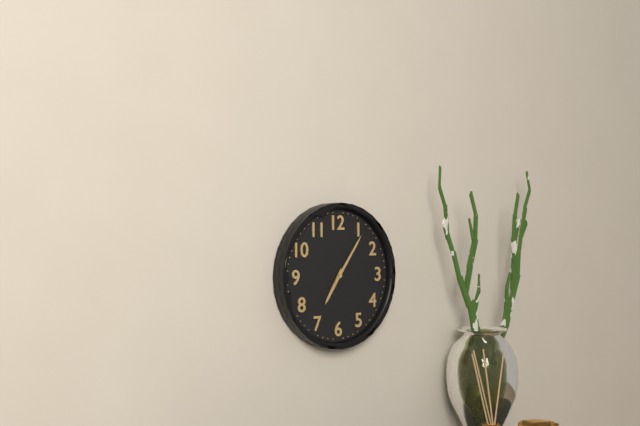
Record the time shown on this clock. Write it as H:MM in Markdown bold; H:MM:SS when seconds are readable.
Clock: **7:06**
